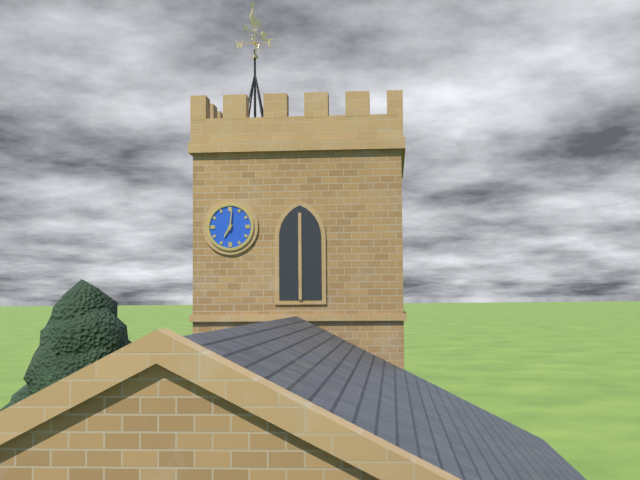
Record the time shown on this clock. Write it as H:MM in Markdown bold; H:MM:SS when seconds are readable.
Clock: **7:01**
